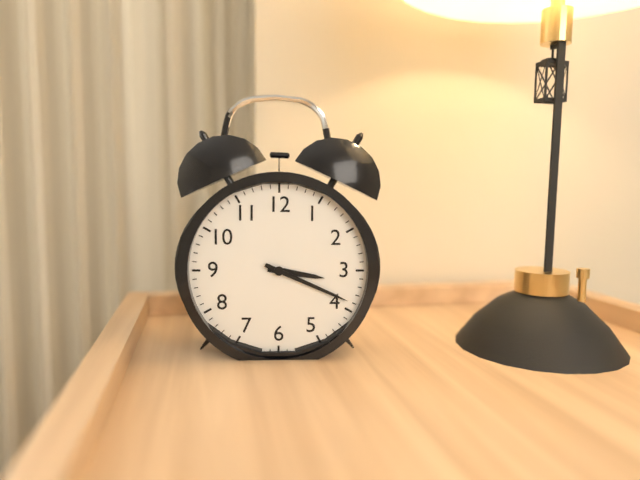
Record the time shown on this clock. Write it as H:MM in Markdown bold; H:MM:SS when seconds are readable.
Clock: **3:19**
